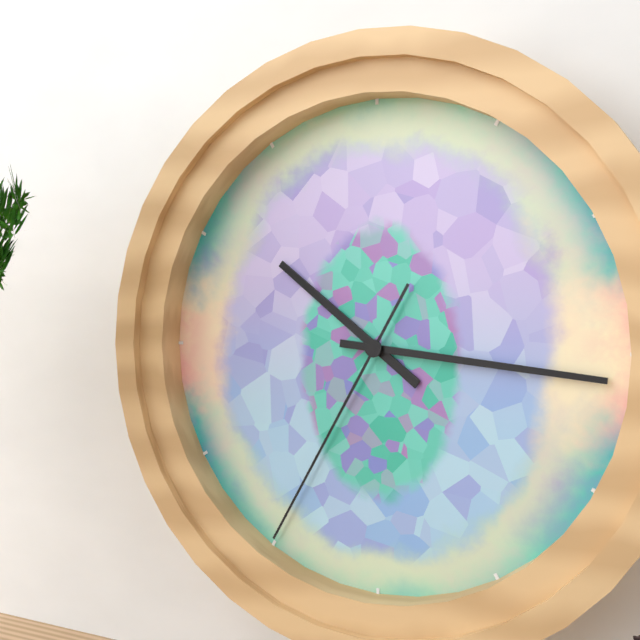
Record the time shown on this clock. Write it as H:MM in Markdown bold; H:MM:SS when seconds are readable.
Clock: **10:16:35**
